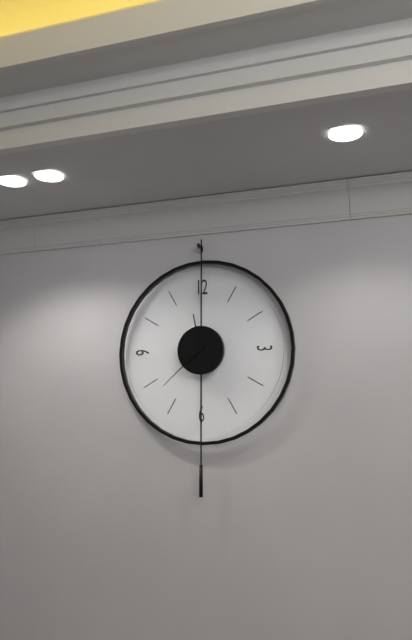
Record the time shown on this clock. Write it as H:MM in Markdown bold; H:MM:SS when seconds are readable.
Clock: **11:38**
